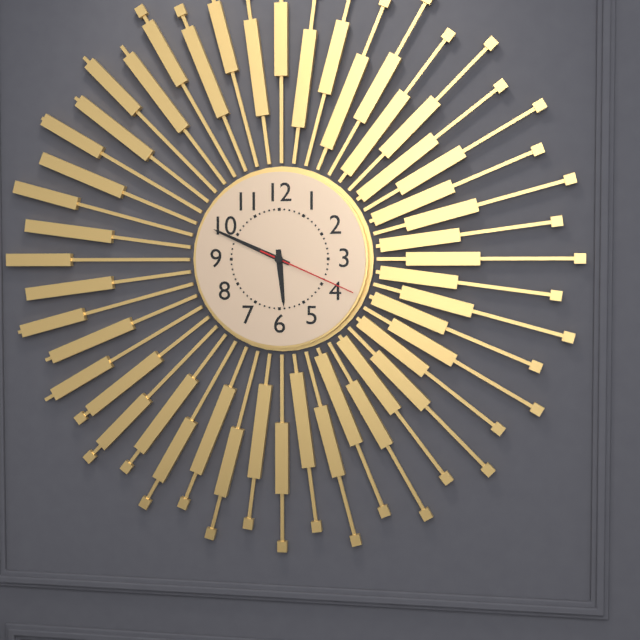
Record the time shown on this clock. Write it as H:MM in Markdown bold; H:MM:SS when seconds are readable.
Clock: **5:49:19**
